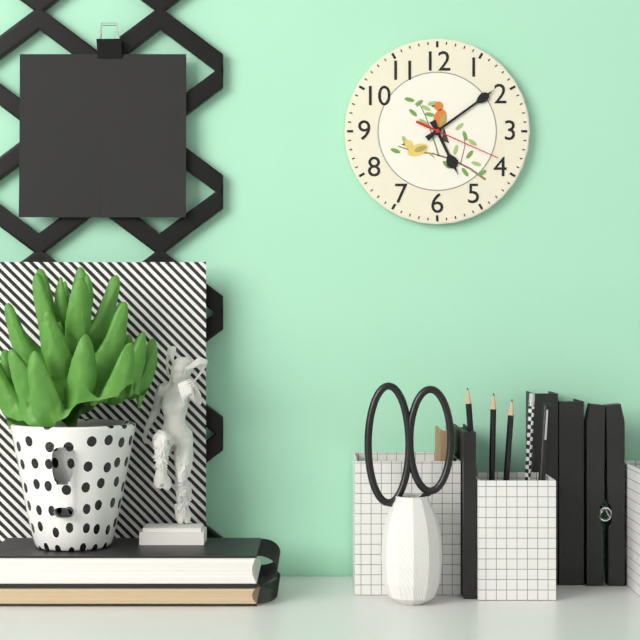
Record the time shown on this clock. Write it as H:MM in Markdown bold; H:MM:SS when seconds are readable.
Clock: **5:09:19**
